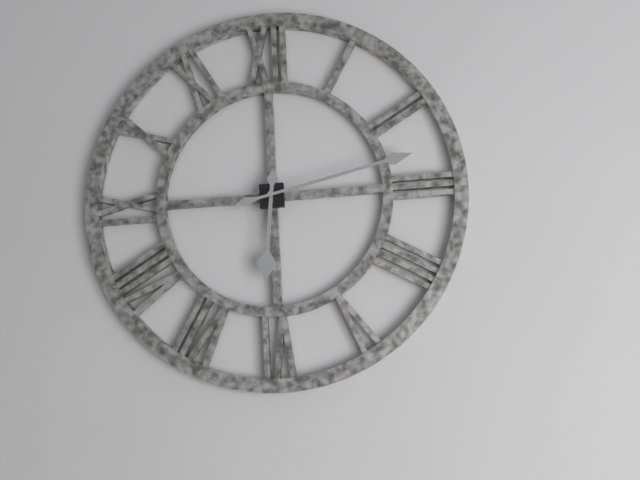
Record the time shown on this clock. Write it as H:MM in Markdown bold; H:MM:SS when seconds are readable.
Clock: **6:13**
